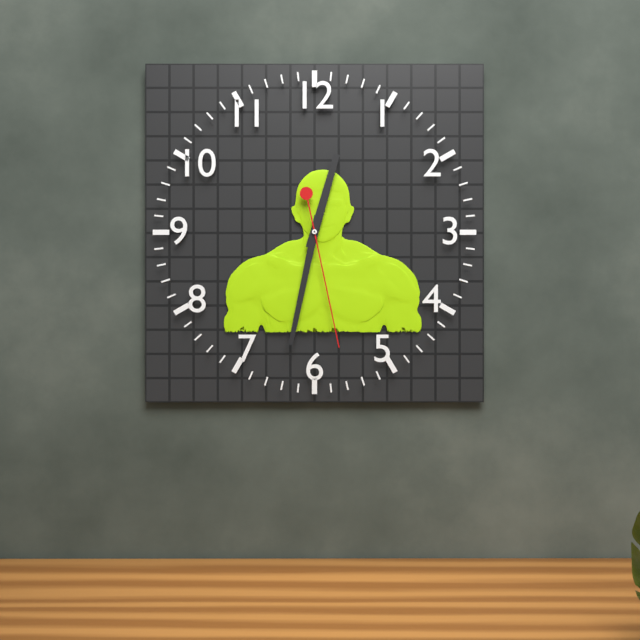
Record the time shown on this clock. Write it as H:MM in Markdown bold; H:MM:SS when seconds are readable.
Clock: **12:32:28**
